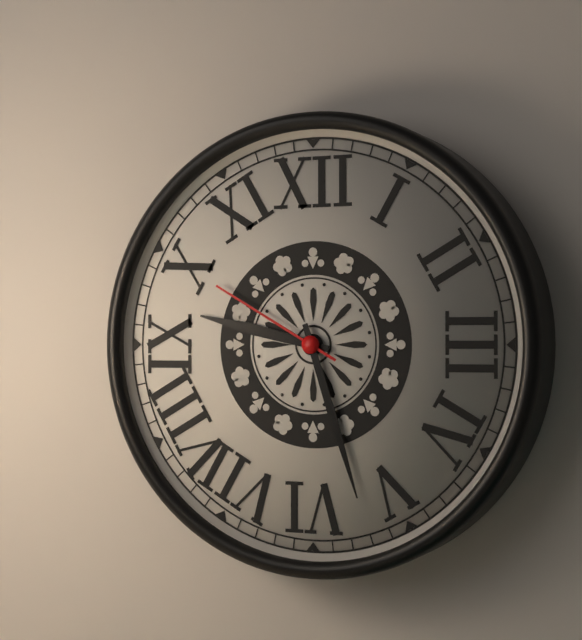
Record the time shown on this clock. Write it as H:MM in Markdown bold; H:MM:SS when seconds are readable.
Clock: **9:27:50**
